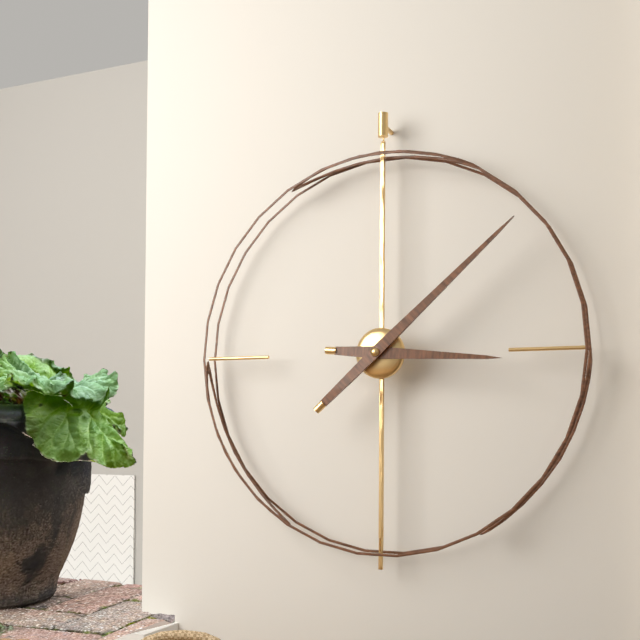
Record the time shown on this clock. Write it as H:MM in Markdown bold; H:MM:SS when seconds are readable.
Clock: **3:08**
